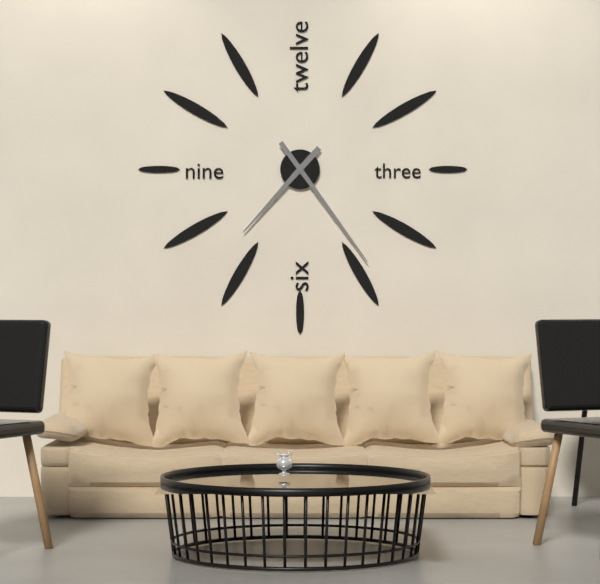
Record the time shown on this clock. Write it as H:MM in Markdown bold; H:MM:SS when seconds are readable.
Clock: **7:24**
